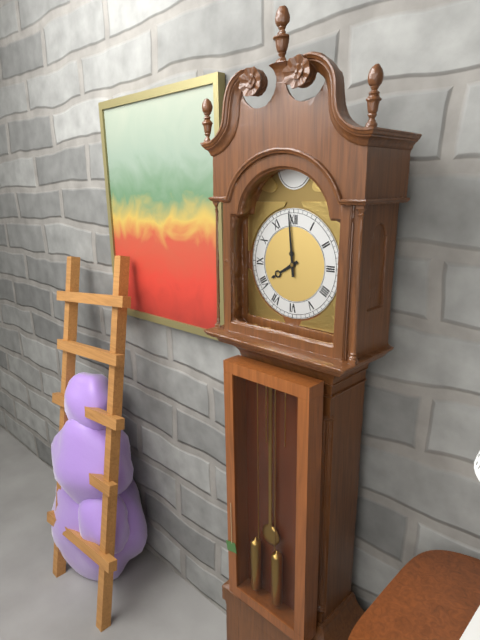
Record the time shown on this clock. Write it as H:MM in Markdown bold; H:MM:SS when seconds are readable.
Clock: **7:59**
